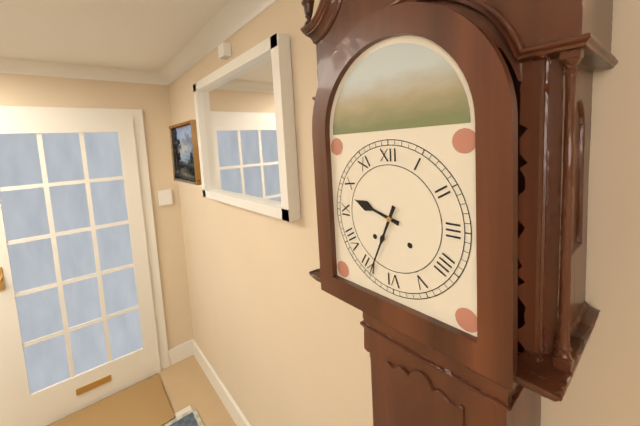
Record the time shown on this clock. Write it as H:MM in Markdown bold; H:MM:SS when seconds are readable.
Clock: **9:34**
